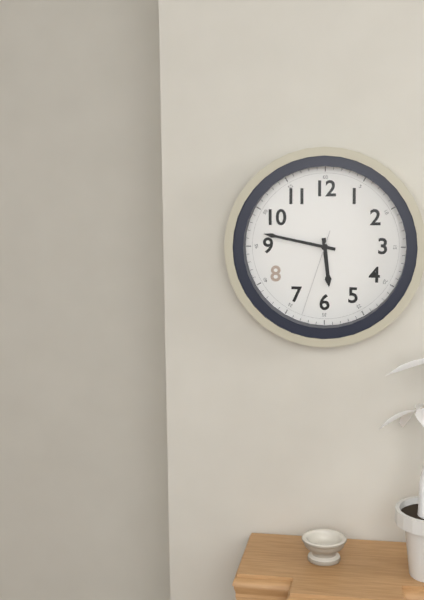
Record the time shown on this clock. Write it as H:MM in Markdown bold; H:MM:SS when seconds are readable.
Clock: **5:47:33**
